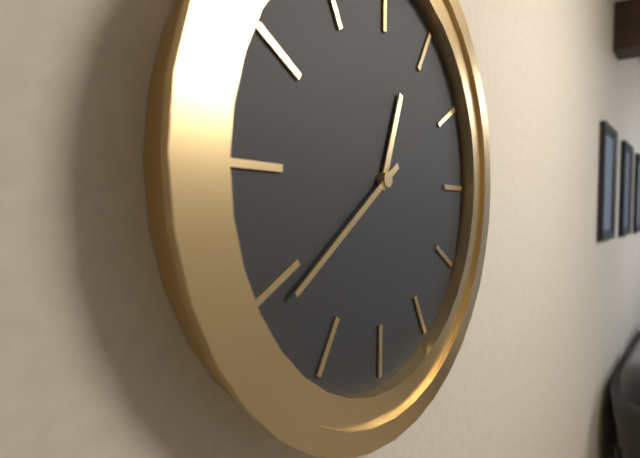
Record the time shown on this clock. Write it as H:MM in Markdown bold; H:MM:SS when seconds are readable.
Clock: **12:39**
